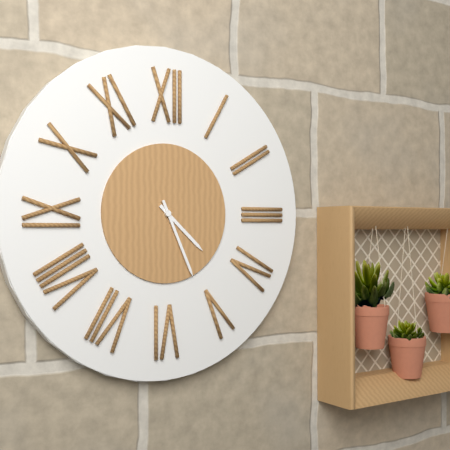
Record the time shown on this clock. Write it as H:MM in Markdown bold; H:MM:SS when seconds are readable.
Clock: **4:26**
